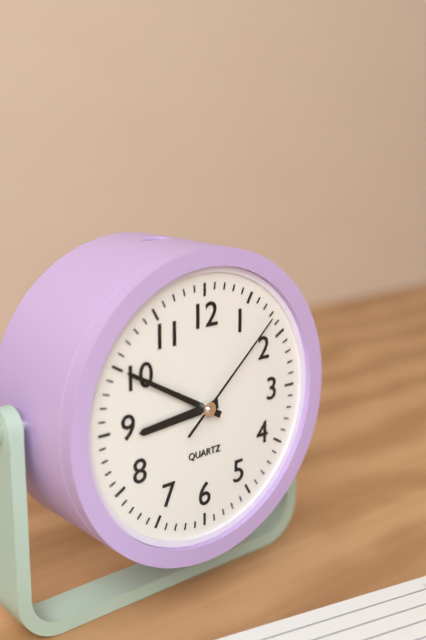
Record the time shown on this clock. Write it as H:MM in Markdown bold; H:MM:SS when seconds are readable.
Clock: **8:50:08**
